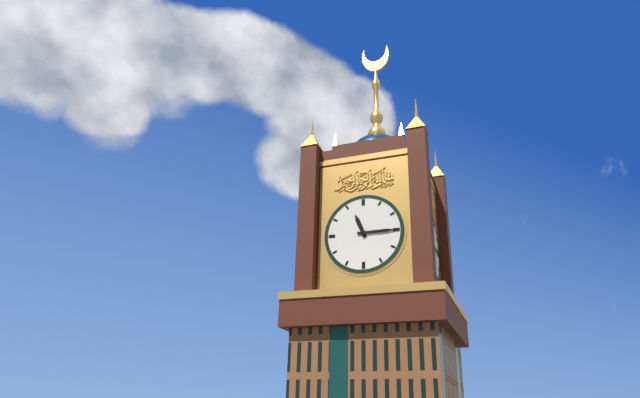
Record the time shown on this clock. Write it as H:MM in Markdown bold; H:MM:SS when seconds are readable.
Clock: **11:15**
